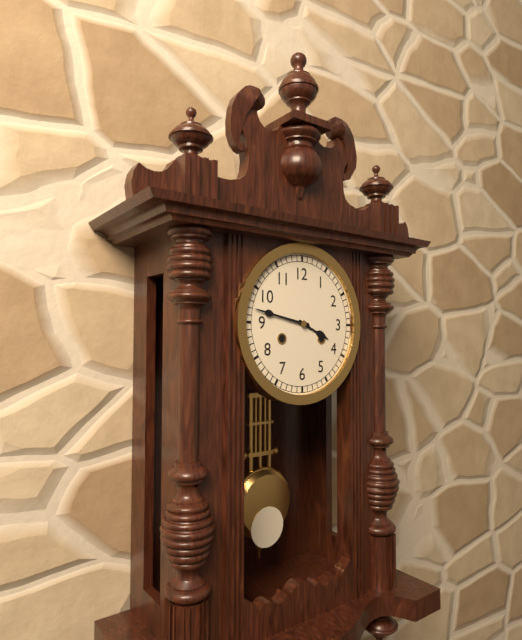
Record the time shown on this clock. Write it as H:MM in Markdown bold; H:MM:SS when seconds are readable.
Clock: **3:47**
